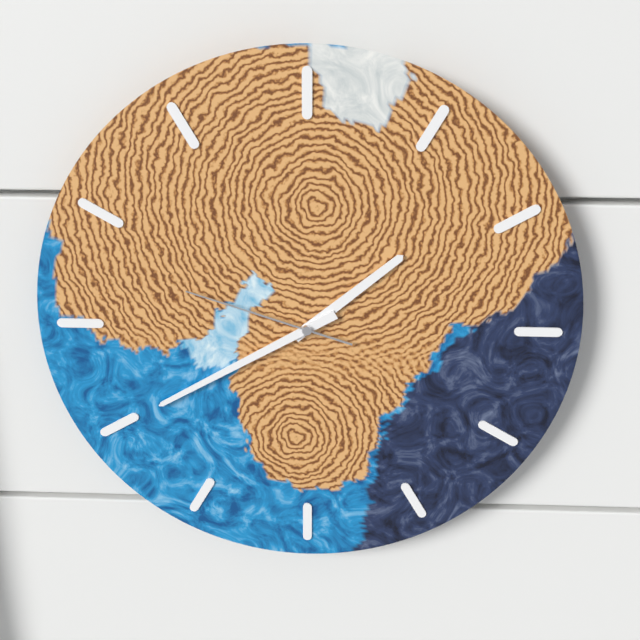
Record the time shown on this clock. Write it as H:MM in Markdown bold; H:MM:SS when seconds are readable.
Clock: **1:40:48**
